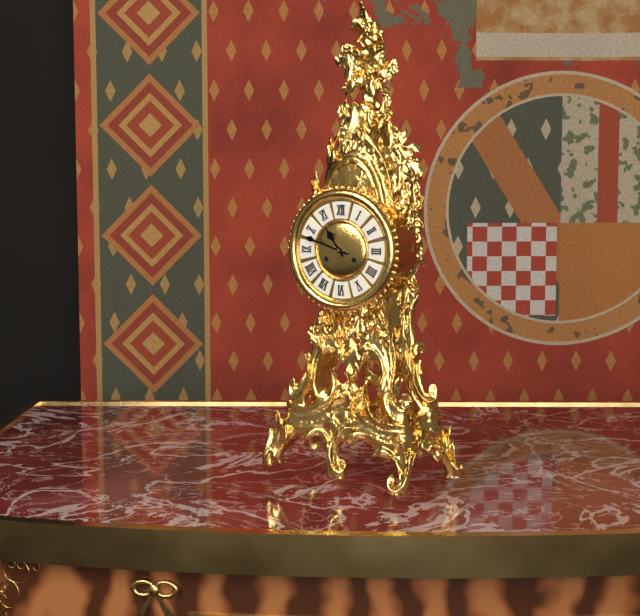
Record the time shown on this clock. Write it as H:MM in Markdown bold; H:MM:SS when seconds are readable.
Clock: **10:48**
